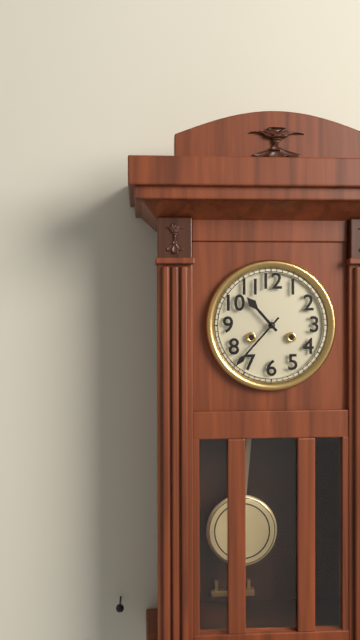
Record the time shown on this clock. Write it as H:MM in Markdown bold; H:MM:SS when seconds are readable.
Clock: **10:37**
